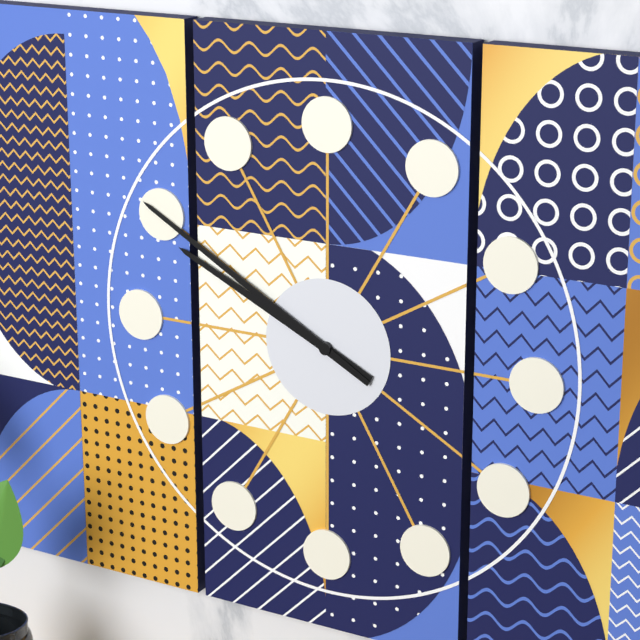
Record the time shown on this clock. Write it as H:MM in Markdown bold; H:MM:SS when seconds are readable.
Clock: **9:50**
